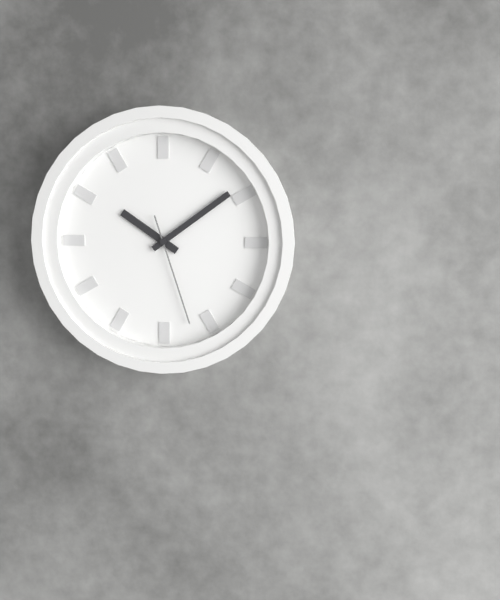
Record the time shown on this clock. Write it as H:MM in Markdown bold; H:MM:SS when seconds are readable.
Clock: **10:09:27**
